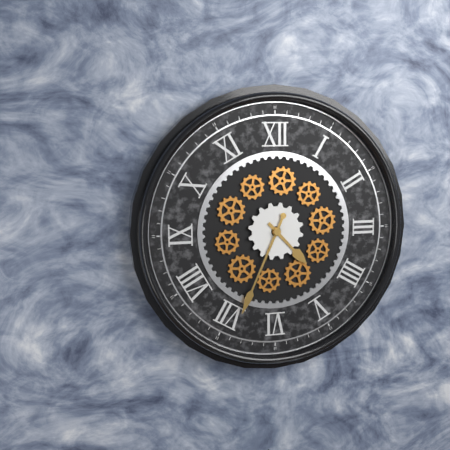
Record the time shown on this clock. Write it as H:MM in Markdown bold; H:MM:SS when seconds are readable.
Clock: **4:34**
